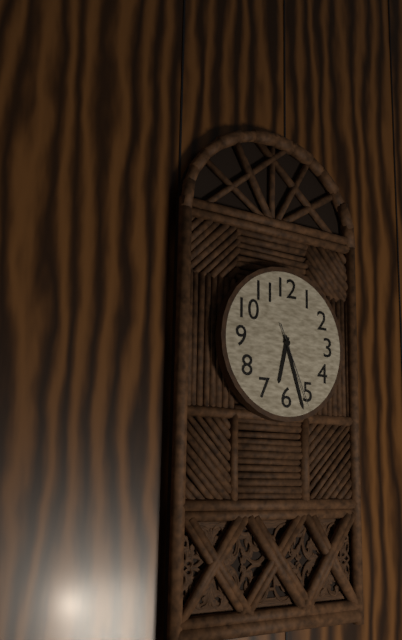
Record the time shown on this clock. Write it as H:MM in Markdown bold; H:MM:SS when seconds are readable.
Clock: **6:27:26**
